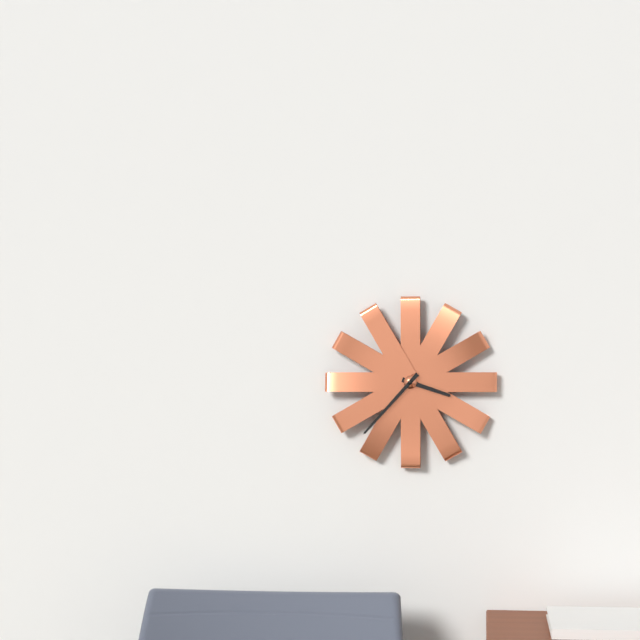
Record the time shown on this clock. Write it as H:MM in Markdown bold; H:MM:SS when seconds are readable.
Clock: **3:37**
